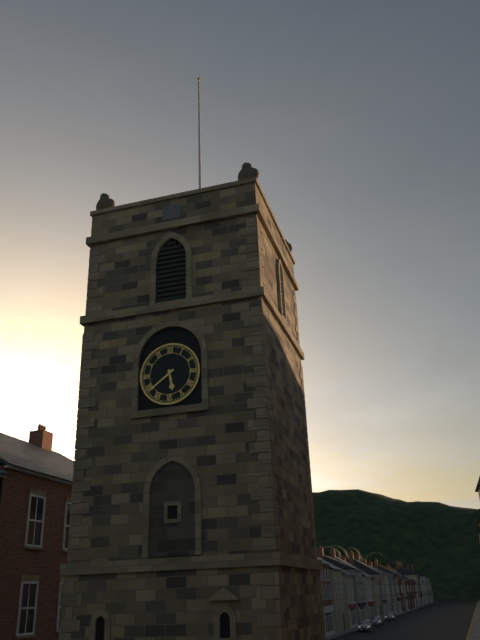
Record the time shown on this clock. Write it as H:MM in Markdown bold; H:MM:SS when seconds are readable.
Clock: **5:39**
